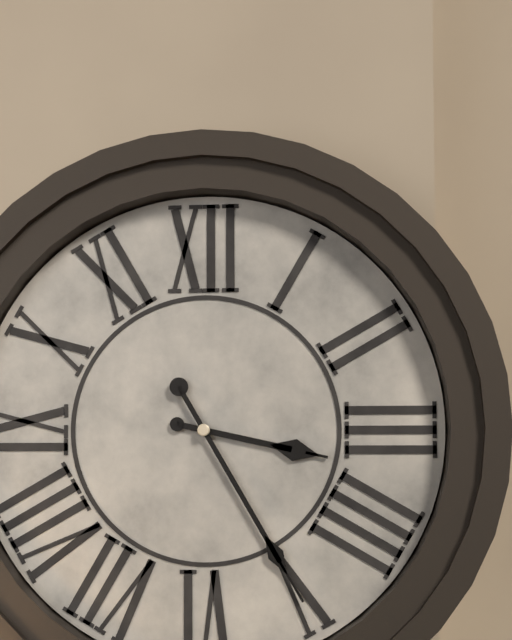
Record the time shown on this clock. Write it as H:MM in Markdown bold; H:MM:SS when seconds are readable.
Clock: **3:25**
